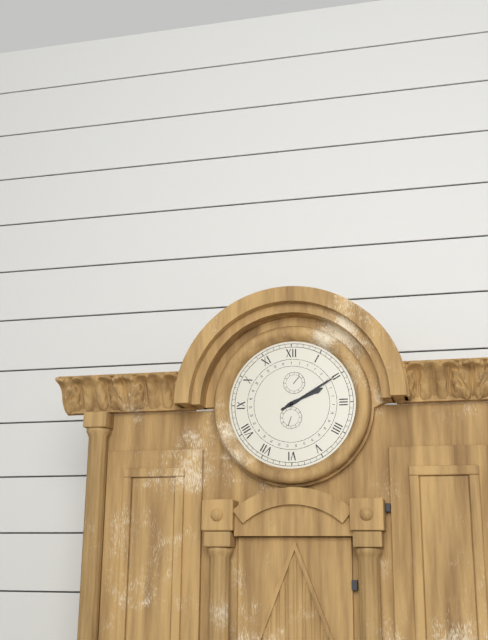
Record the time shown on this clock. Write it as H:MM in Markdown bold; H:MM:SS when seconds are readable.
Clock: **2:10**
